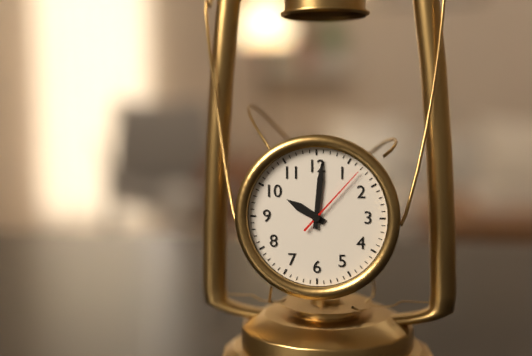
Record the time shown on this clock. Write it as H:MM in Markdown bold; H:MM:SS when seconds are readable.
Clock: **10:01:07**
